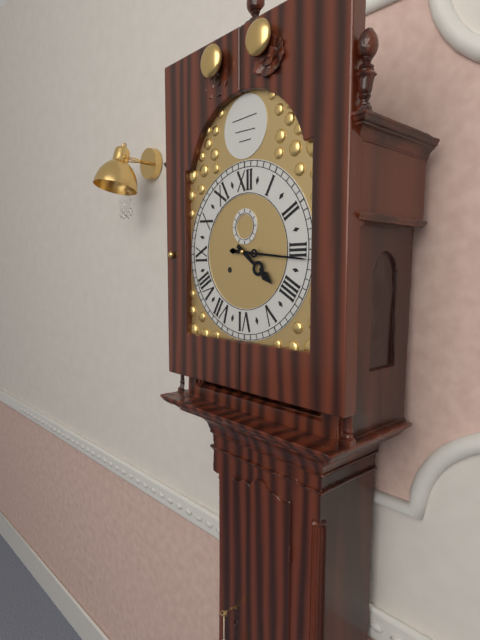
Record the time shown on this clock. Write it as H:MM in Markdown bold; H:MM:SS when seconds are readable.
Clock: **4:16**
